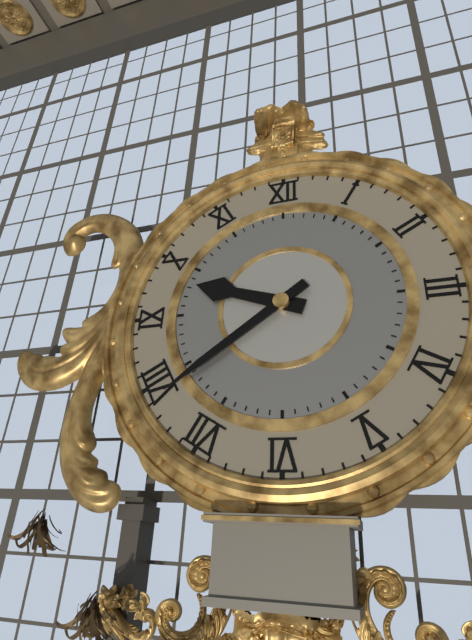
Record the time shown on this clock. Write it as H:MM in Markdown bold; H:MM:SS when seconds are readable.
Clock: **9:39**
